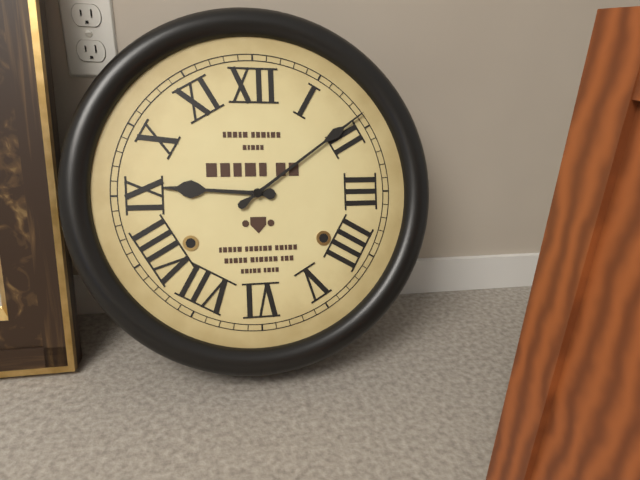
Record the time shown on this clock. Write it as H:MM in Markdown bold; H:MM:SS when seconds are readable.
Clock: **9:09**
